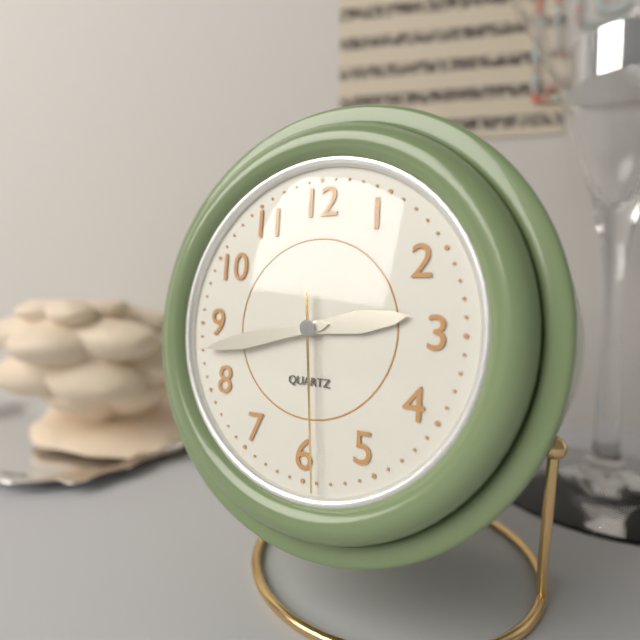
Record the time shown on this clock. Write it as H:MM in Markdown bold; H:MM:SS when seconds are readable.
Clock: **2:43:29**
